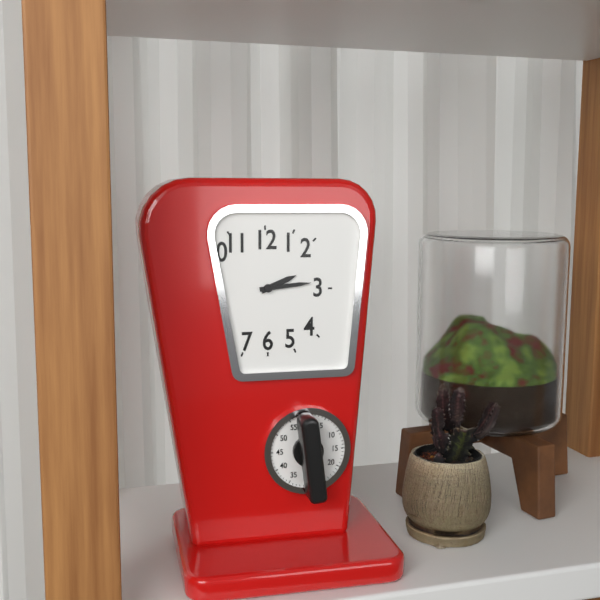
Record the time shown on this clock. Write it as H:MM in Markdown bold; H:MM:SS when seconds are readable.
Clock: **2:14**
